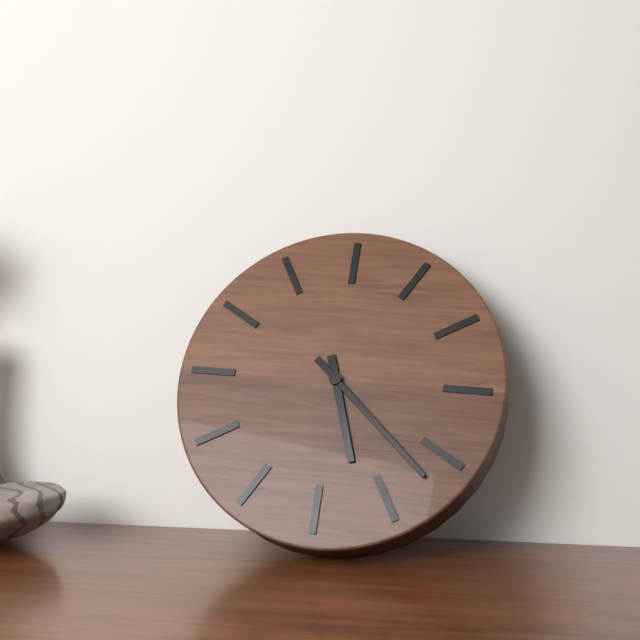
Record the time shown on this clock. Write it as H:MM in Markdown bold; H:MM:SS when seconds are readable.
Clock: **5:22**
